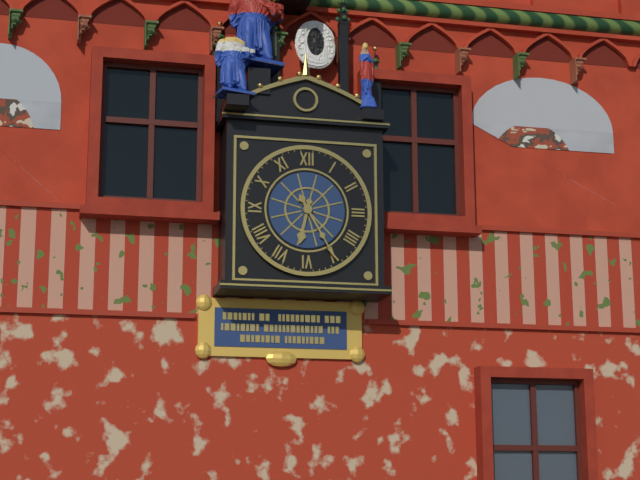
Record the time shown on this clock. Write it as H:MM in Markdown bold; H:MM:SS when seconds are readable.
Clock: **6:25**
